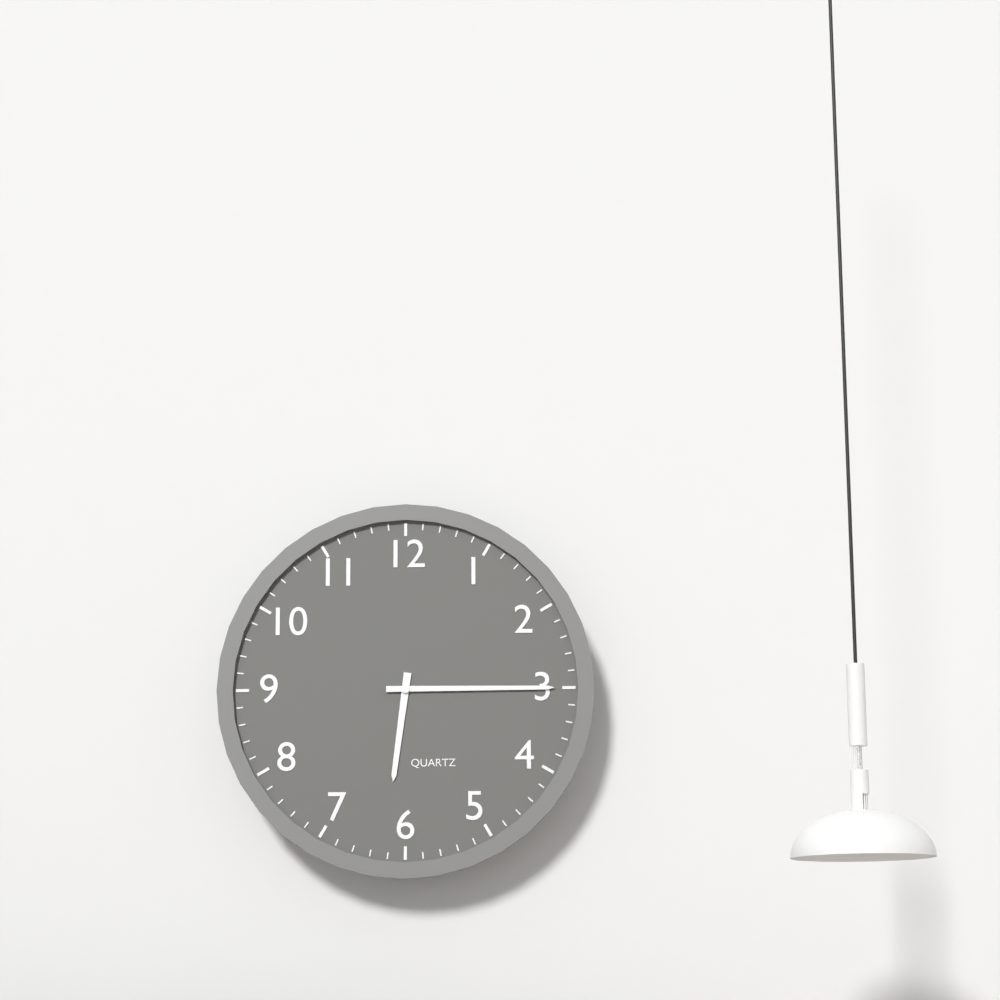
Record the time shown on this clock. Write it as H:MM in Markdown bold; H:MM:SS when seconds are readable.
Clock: **6:15**
